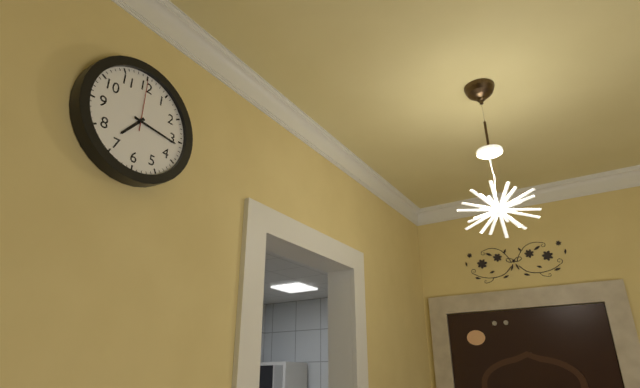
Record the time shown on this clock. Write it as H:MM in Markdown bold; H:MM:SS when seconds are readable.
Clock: **7:16:00**
